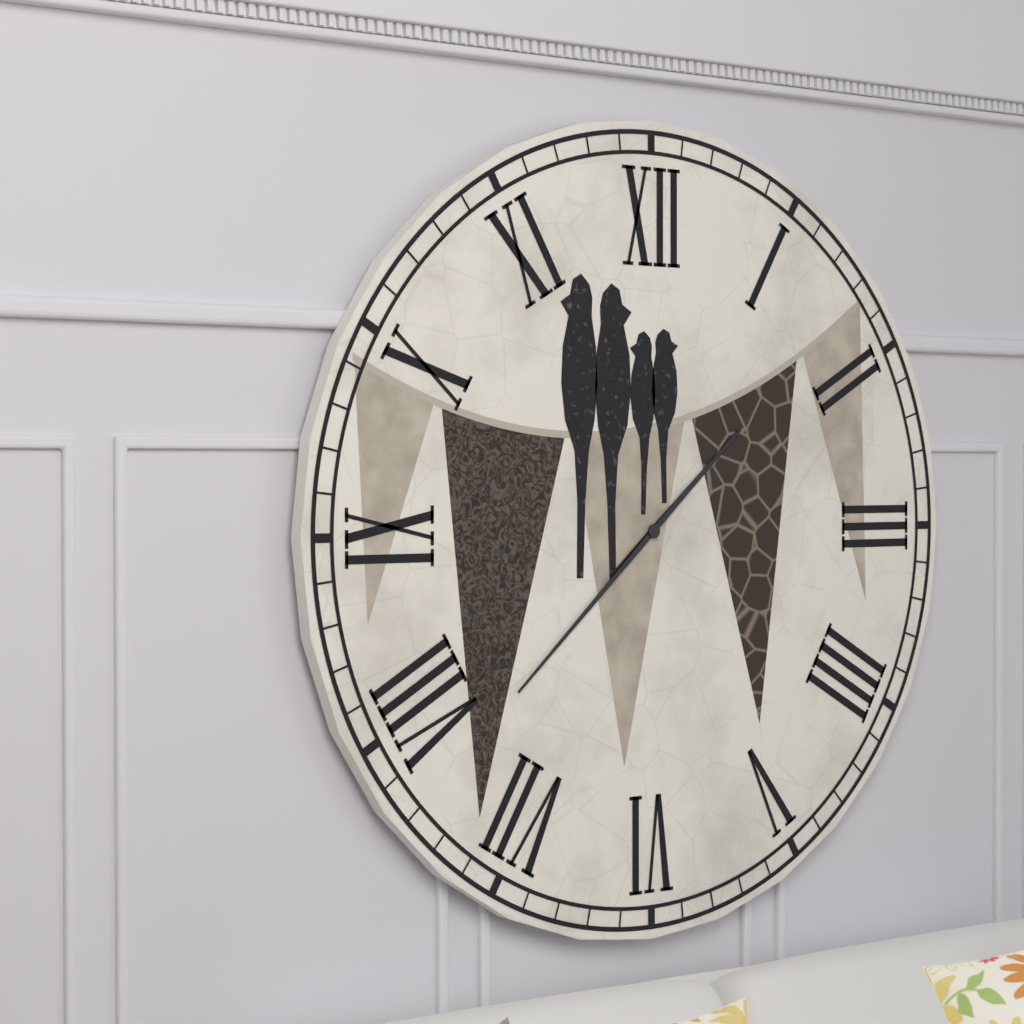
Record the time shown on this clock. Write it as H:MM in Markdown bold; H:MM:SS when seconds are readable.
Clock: **1:38**
